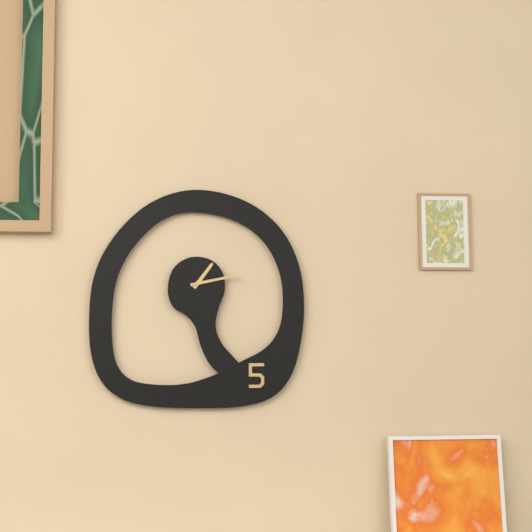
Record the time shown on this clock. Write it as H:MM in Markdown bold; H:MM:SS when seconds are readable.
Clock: **1:13**
